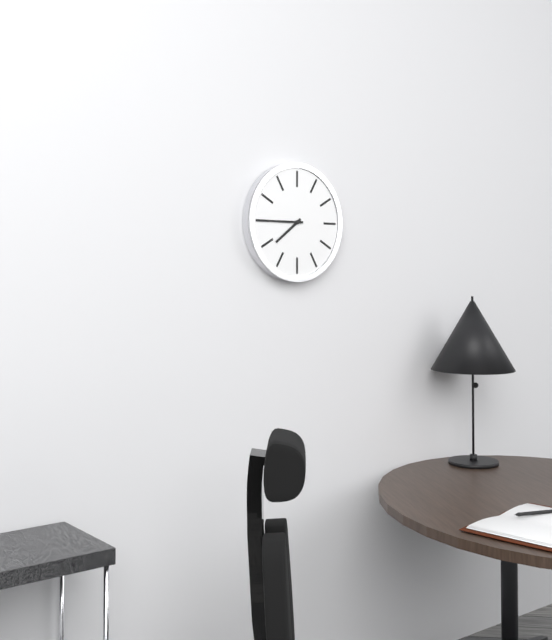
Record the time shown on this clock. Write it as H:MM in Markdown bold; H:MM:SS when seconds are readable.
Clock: **7:45**
